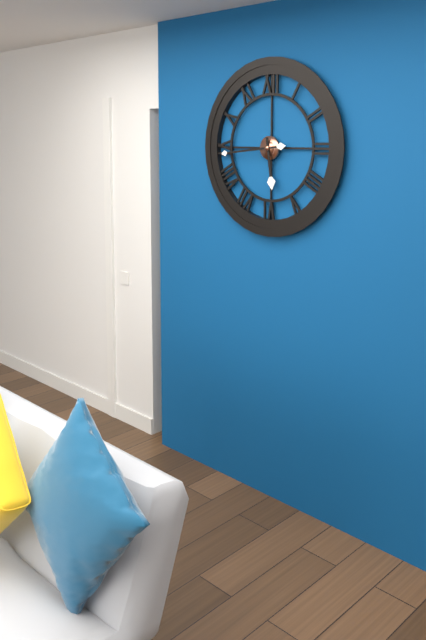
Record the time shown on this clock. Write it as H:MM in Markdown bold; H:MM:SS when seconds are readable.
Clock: **5:44**
